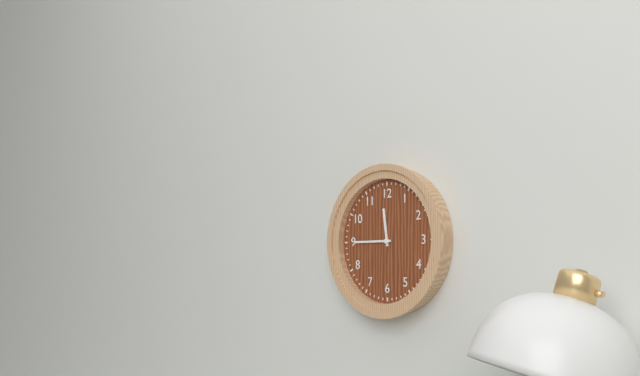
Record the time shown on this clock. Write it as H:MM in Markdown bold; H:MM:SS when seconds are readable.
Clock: **11:45**
